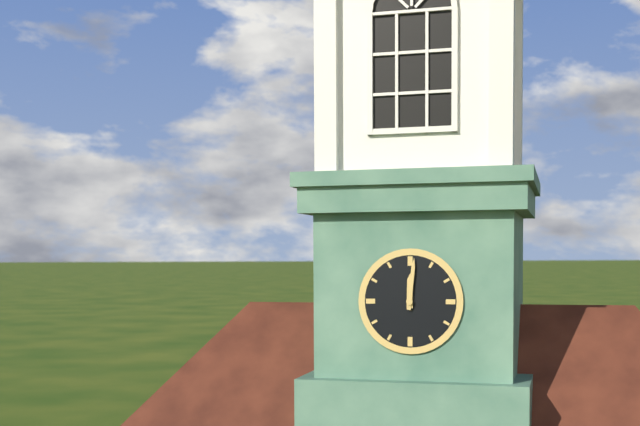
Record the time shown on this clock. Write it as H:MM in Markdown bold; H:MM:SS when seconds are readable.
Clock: **12:01**
